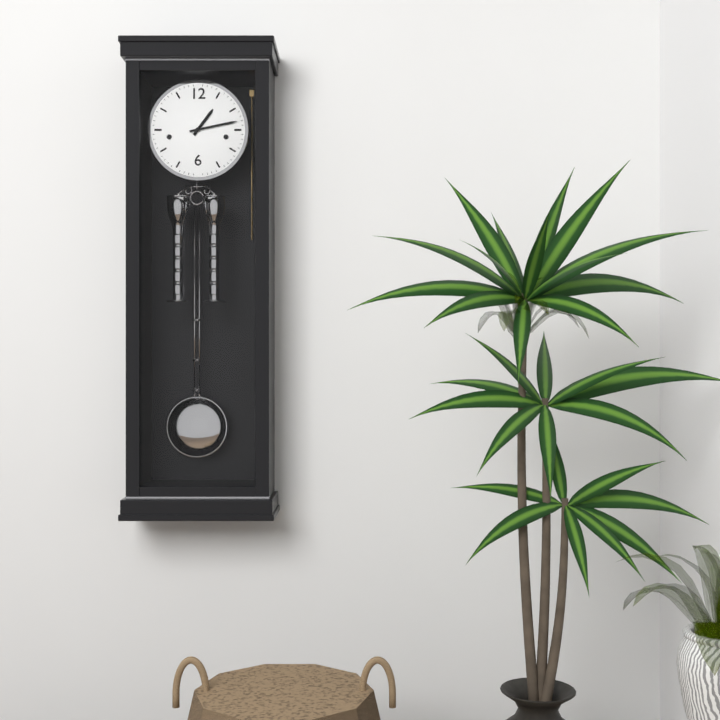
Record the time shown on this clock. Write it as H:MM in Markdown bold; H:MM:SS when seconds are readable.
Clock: **1:13**
